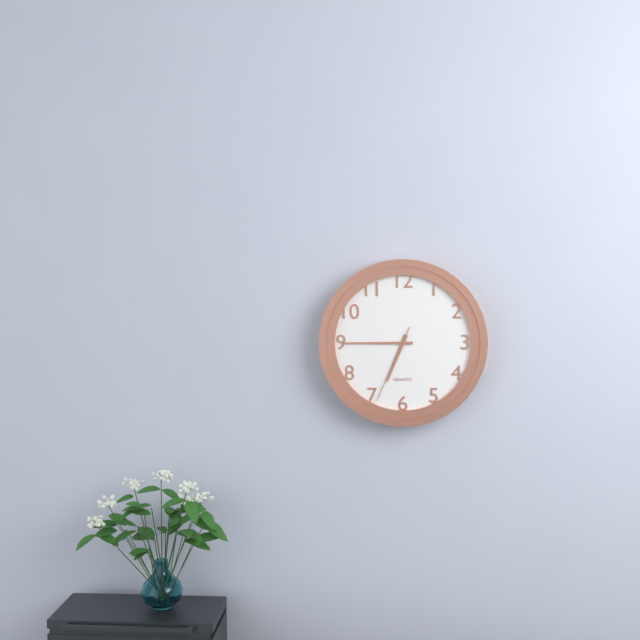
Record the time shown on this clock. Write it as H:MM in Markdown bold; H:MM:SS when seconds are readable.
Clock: **6:45:34**
